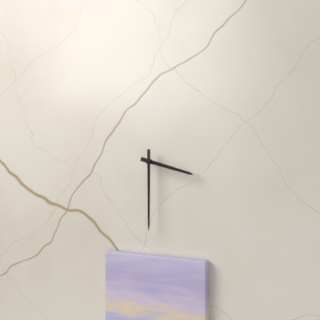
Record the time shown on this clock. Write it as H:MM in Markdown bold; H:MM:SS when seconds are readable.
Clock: **3:30**
